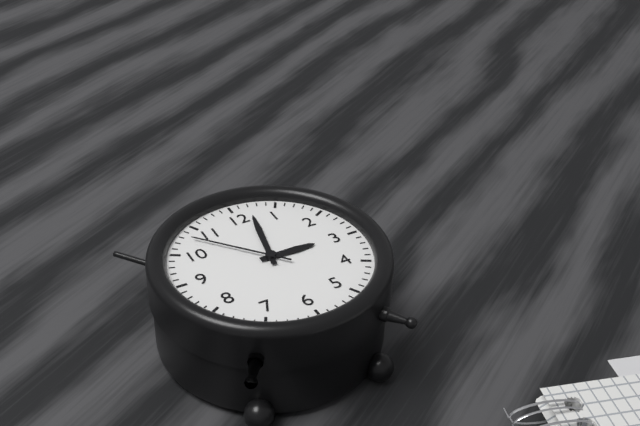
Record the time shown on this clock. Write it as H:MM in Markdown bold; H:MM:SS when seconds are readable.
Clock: **3:02:53**
